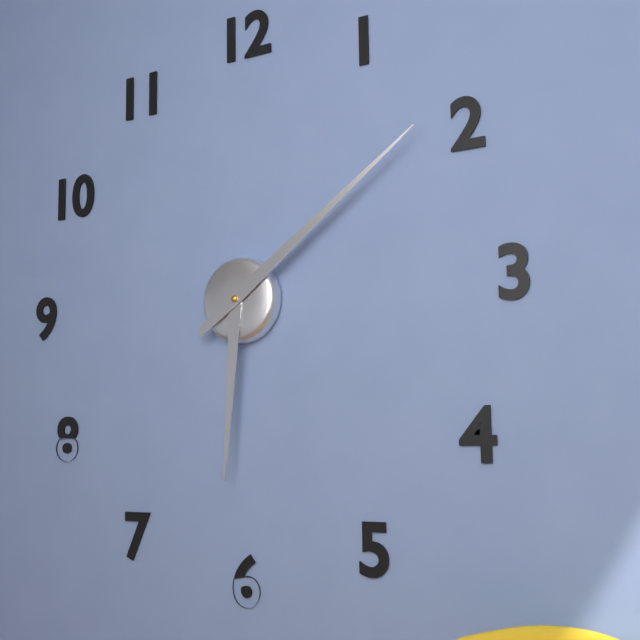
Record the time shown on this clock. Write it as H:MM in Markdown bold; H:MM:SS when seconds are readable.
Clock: **6:09**
